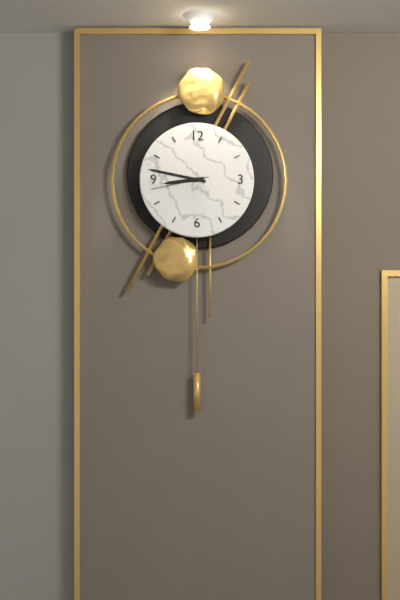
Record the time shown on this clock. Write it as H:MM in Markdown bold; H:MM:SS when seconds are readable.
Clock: **8:47:43**
